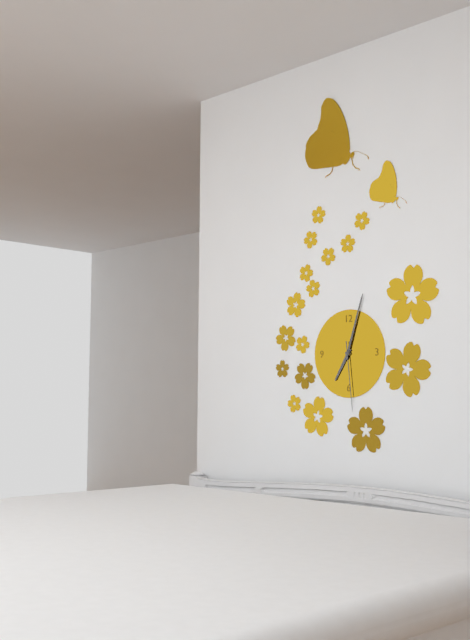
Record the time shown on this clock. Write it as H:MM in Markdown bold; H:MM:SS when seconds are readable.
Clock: **7:03:29**
